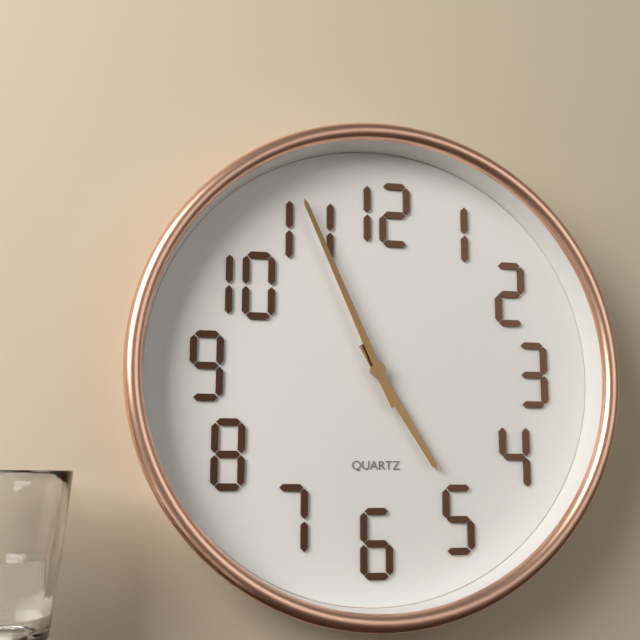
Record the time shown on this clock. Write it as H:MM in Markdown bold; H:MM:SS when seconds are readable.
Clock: **4:56**
